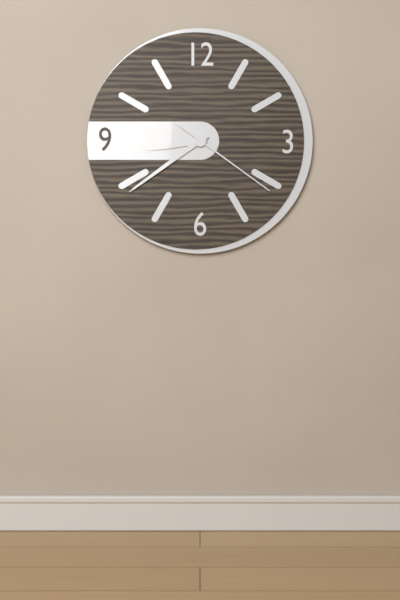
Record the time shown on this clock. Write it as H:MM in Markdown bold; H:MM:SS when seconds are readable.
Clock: **8:39:21**
